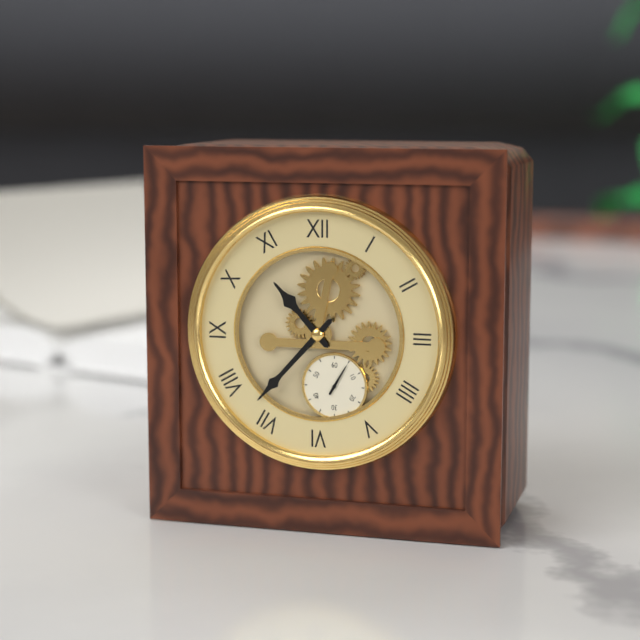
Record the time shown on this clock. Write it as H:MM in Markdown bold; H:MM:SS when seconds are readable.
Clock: **10:37**
